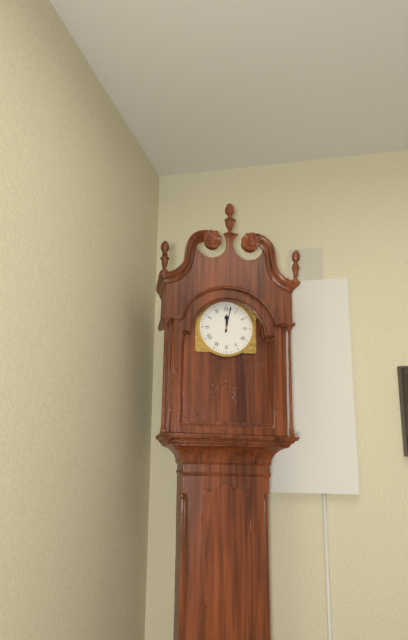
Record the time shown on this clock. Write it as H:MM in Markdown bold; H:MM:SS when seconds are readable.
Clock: **12:02**
